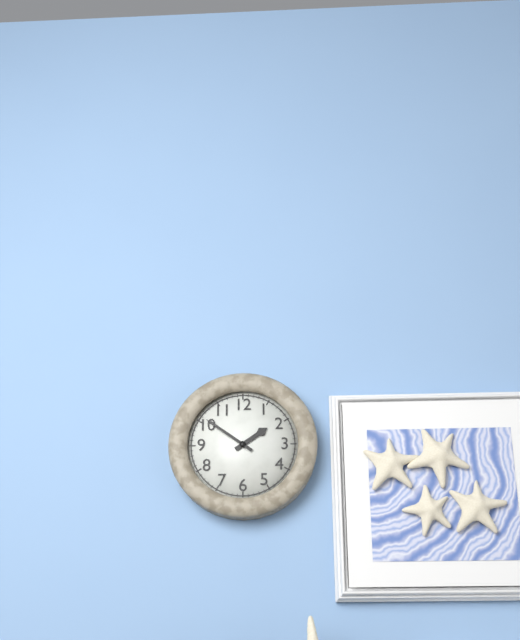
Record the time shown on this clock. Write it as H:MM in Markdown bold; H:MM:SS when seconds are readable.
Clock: **1:51**
